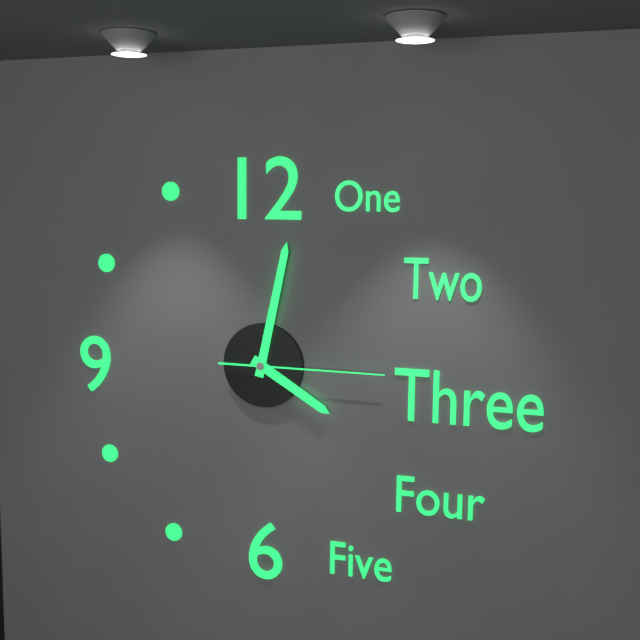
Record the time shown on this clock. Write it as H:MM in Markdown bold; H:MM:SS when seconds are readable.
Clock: **4:02:15**
